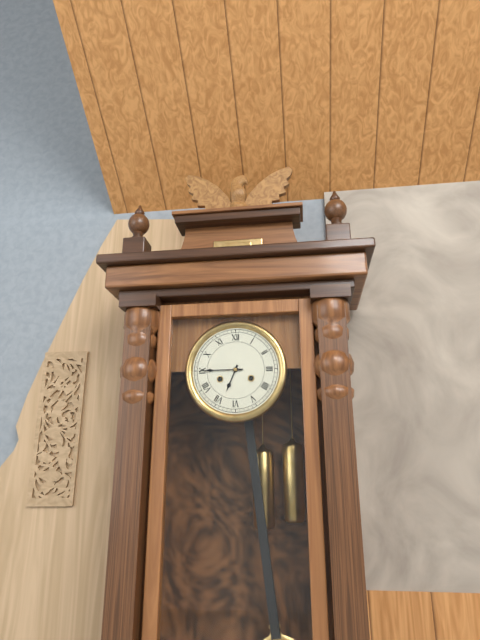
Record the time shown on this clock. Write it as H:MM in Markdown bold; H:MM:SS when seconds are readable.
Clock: **6:45**
